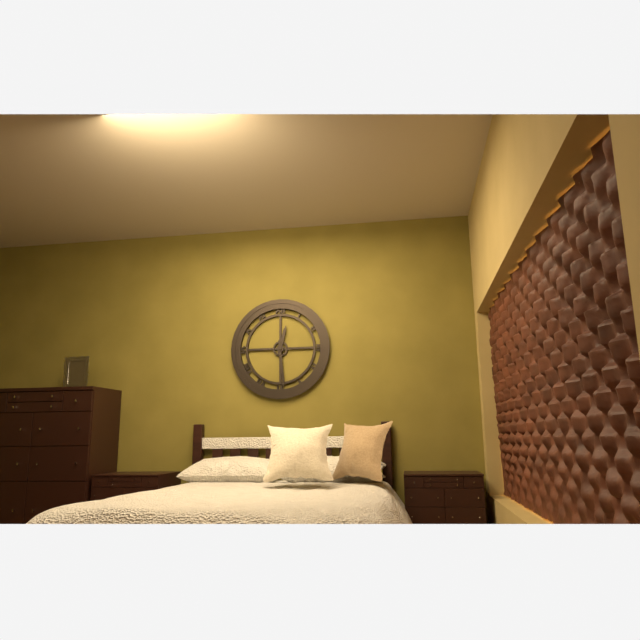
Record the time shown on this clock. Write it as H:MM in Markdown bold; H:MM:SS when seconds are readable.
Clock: **12:29**
